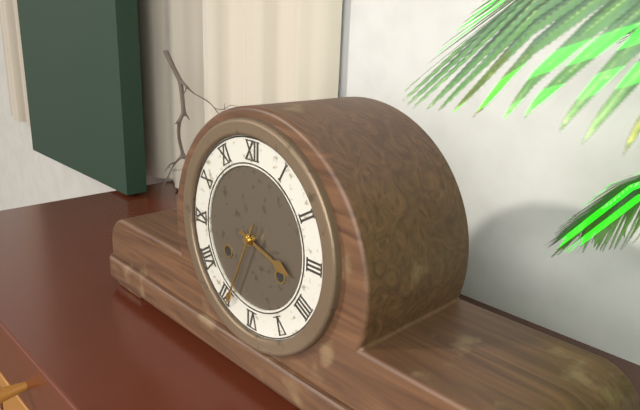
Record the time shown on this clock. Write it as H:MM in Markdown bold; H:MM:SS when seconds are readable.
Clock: **3:34**
